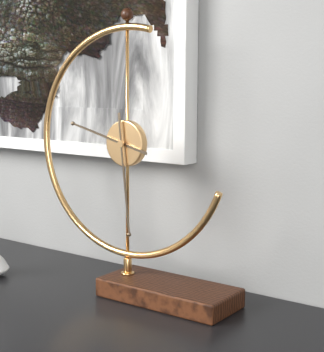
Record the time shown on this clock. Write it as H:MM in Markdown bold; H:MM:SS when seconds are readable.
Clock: **9:29**
